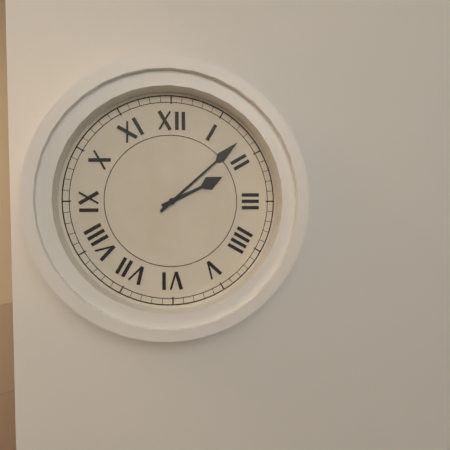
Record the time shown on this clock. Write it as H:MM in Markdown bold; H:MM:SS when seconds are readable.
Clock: **2:08**
